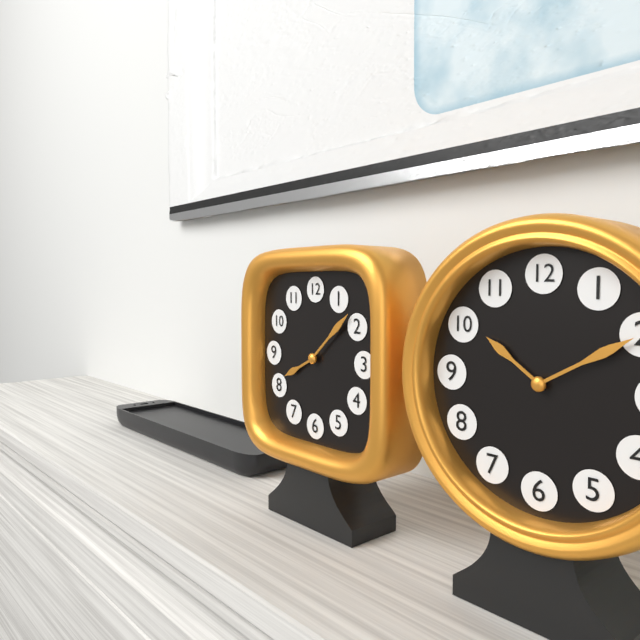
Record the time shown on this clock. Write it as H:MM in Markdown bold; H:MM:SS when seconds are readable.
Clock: **8:08**
